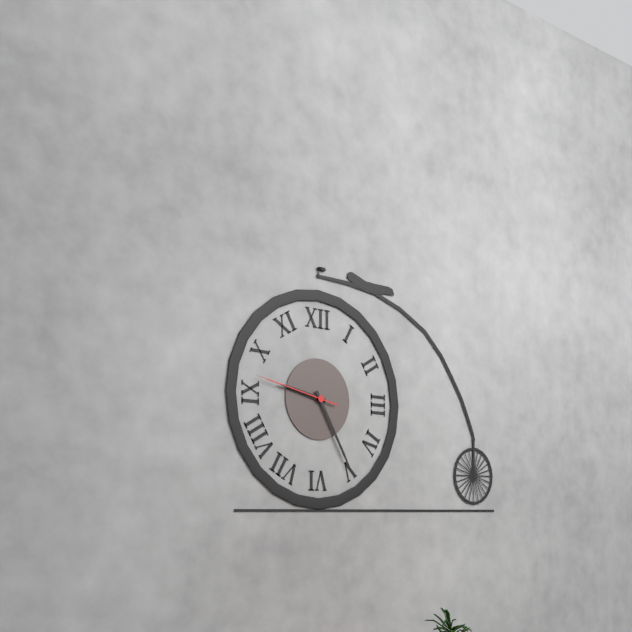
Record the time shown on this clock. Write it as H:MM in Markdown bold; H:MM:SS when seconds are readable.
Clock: **9:25:47**
